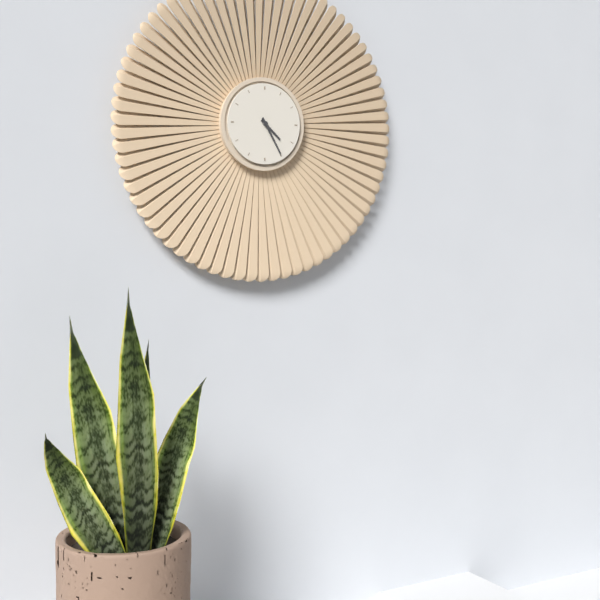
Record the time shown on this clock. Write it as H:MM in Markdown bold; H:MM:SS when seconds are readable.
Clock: **4:25**
